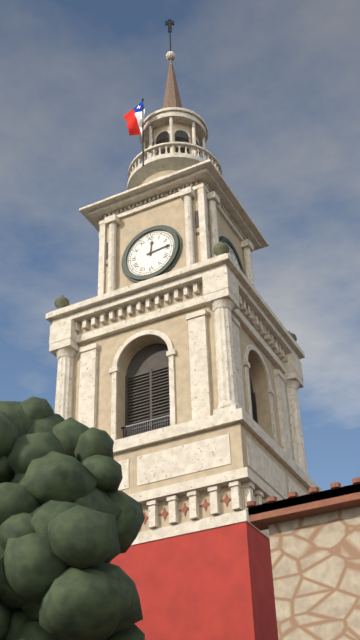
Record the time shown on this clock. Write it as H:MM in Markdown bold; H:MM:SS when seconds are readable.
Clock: **12:14**
